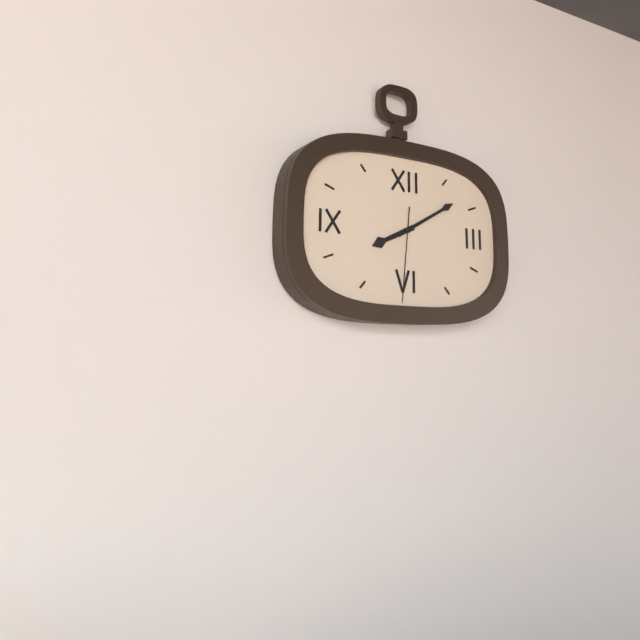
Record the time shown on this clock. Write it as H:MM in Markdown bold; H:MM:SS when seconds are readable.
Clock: **8:10:31**
